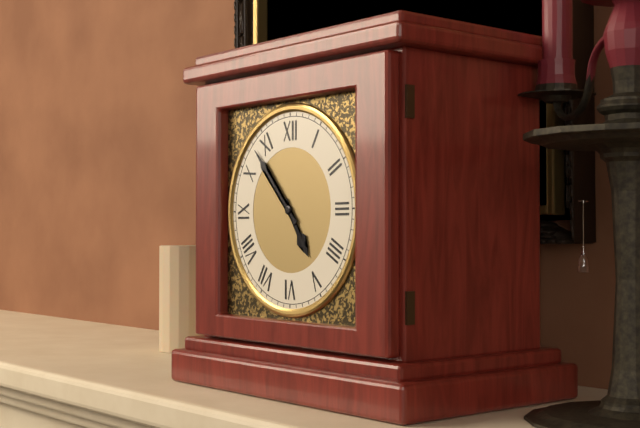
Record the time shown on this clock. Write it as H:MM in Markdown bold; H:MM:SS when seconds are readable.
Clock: **4:53**
